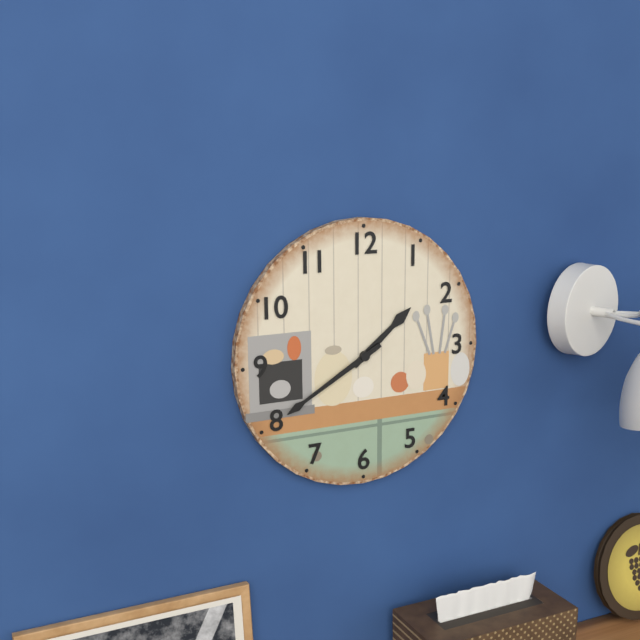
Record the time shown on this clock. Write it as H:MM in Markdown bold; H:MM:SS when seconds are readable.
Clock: **1:40**
